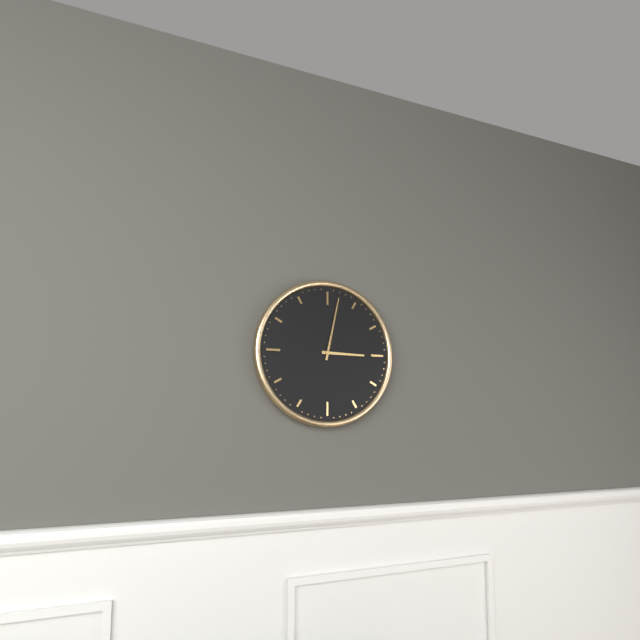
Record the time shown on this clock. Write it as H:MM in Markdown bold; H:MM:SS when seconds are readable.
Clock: **3:02**
